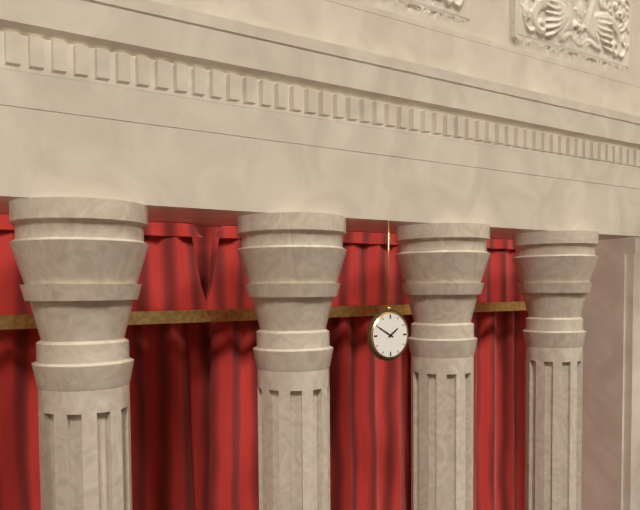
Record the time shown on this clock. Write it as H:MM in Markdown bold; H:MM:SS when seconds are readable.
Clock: **1:50**
